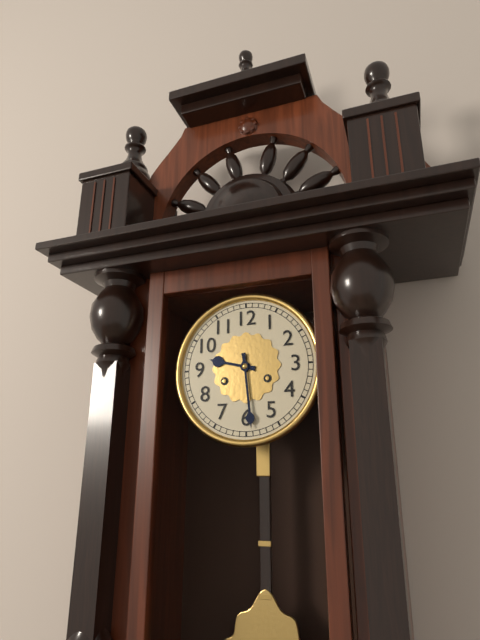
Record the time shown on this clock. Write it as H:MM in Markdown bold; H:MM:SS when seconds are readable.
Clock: **9:29**
